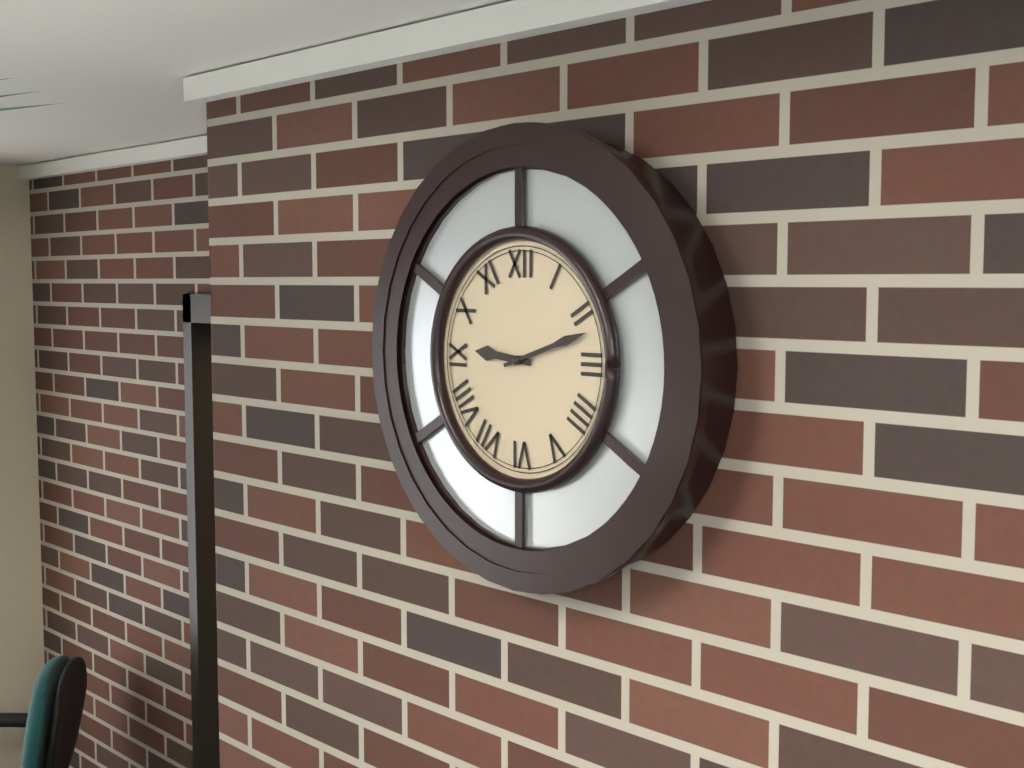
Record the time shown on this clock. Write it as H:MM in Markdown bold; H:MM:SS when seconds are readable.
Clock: **9:12**
